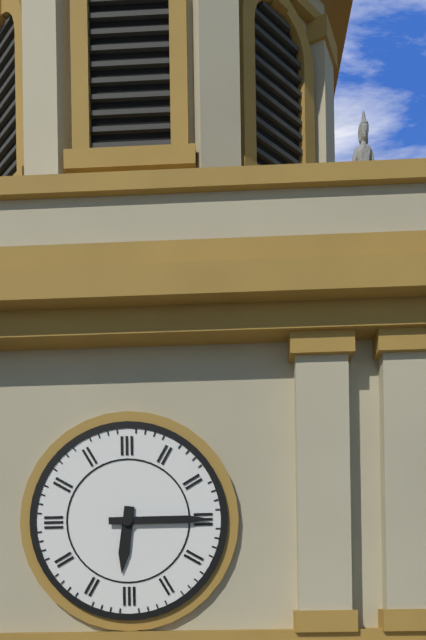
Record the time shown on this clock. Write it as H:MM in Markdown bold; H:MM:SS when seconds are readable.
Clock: **6:15**
